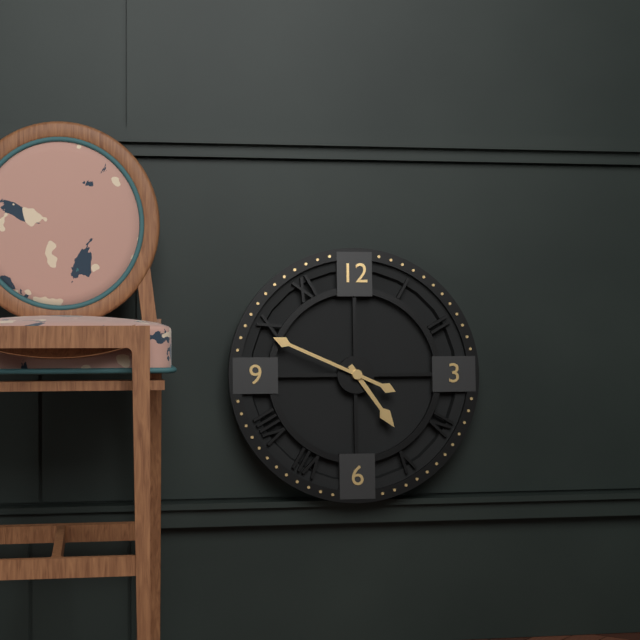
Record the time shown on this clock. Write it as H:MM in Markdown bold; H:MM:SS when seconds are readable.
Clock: **4:49**
